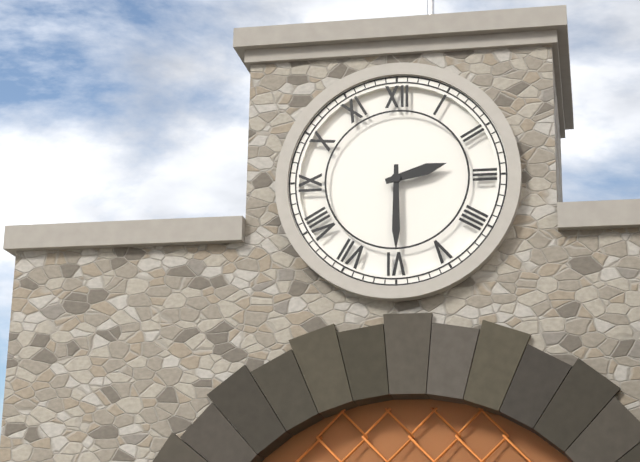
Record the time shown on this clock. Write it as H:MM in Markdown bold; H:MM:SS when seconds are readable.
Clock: **2:30**
